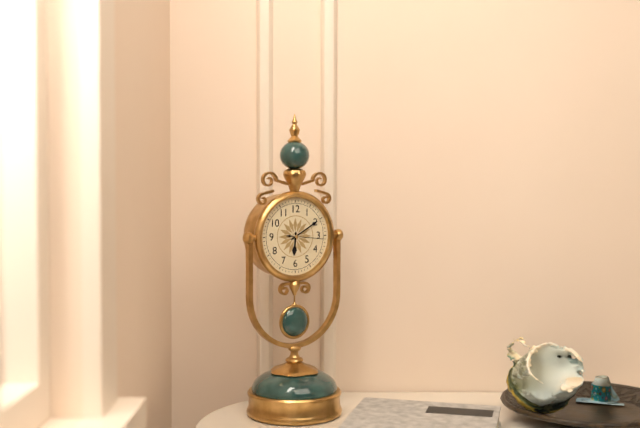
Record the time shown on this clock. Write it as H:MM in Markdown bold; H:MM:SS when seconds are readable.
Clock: **6:10**
